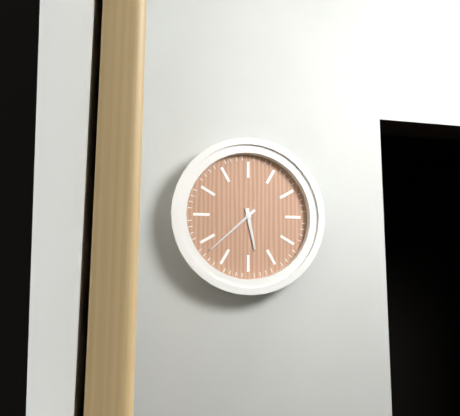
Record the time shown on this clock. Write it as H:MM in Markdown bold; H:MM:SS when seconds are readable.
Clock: **5:38**
